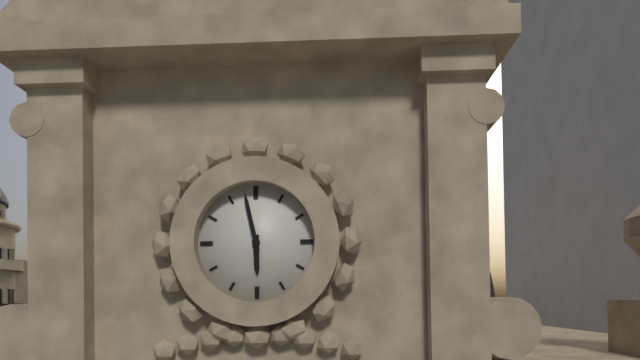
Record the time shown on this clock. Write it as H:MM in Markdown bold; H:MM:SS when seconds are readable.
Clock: **5:58**
